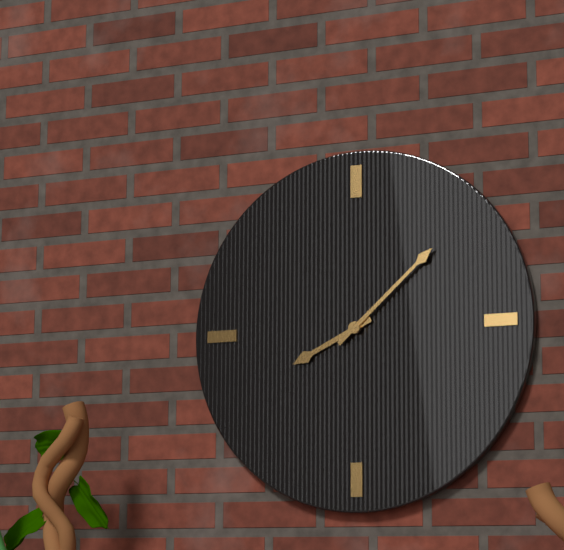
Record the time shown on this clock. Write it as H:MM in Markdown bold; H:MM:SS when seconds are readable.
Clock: **8:08**
